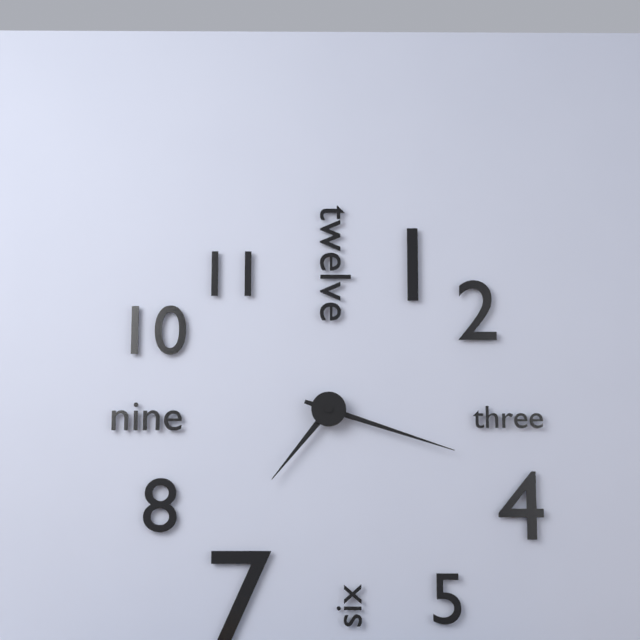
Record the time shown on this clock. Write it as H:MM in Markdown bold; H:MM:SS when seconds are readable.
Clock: **7:18**
